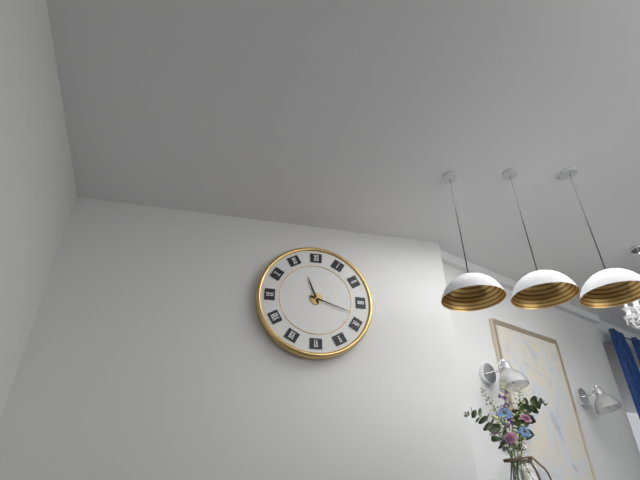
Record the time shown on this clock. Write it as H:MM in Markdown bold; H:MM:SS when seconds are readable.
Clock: **11:18**
